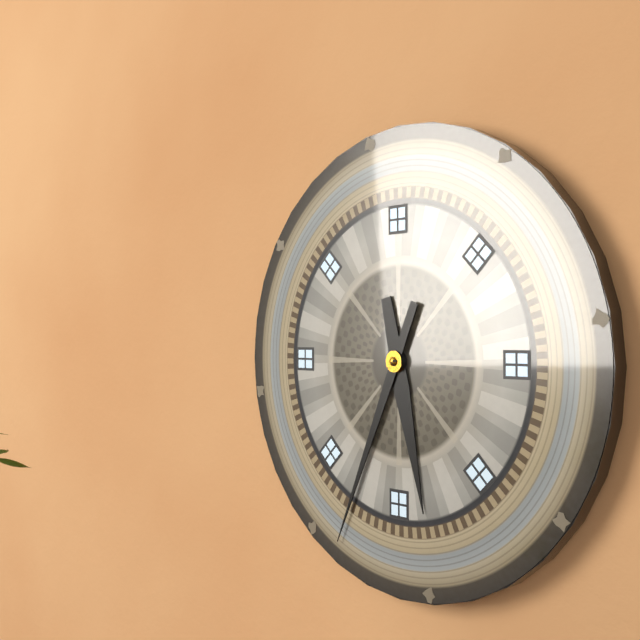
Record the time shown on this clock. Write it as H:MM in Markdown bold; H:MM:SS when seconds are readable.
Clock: **5:34**
